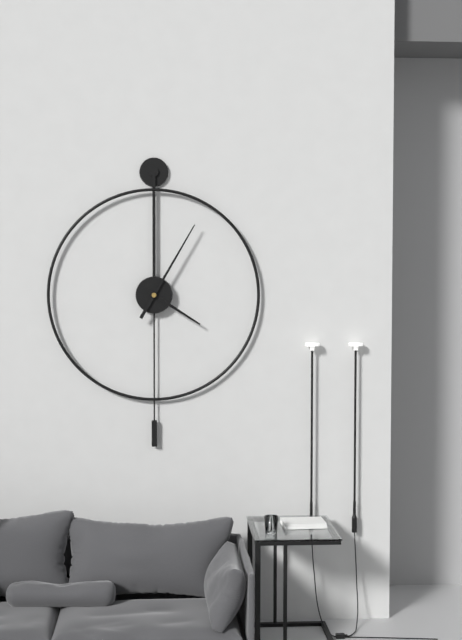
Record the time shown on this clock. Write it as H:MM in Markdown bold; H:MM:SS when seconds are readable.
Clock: **4:05**
